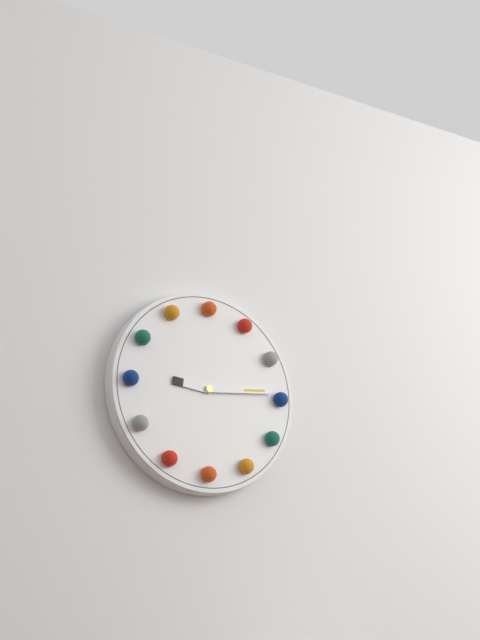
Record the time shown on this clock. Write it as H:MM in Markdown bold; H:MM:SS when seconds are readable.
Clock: **9:14**
